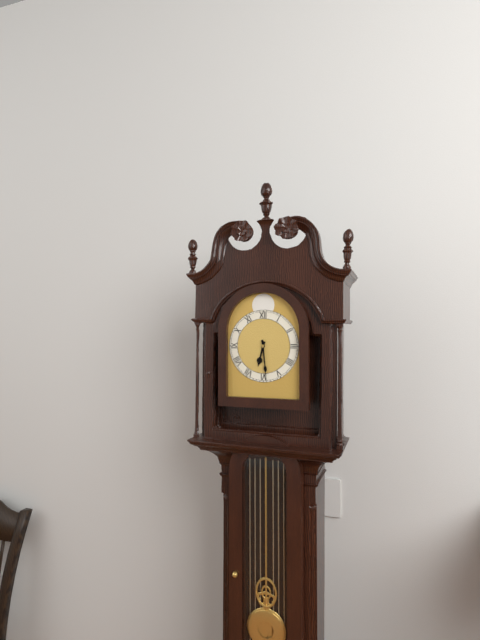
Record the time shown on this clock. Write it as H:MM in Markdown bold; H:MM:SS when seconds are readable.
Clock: **6:29**
